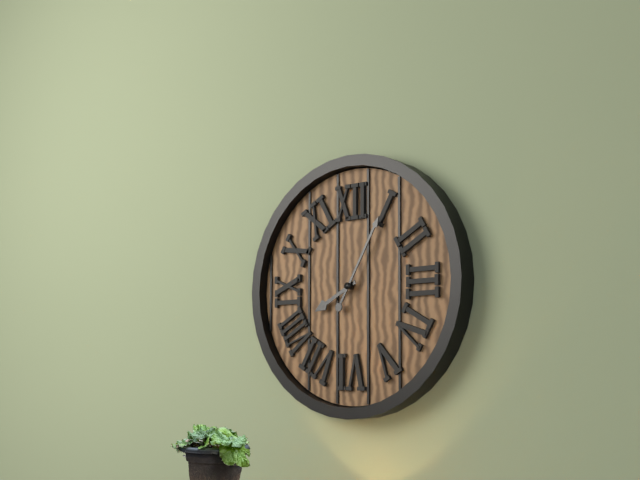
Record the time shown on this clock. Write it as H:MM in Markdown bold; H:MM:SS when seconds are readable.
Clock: **8:05**
